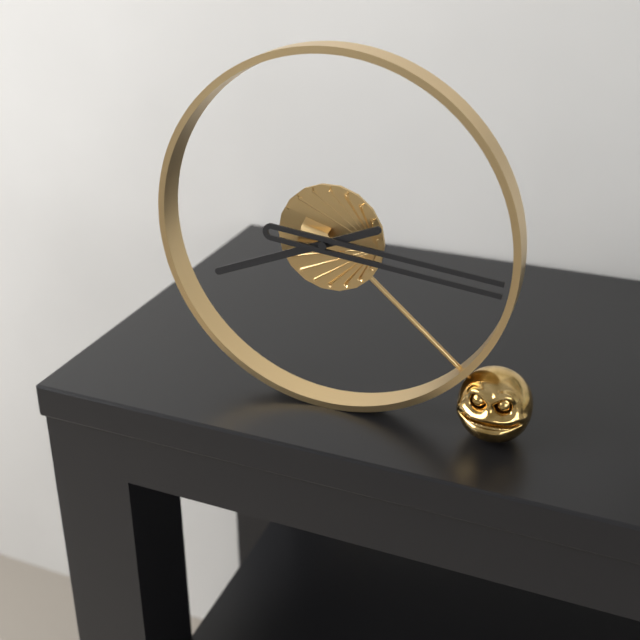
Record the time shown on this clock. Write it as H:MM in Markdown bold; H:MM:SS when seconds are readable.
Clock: **8:16**
